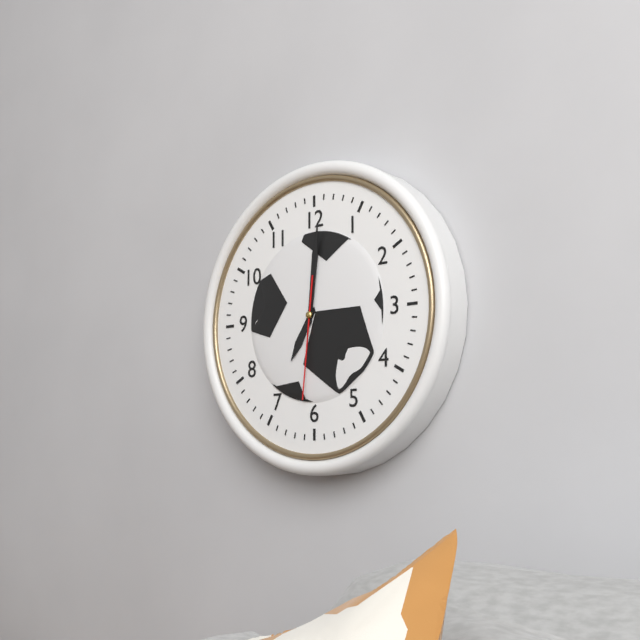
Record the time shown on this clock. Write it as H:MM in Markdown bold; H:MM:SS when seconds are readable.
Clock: **7:01:31**
